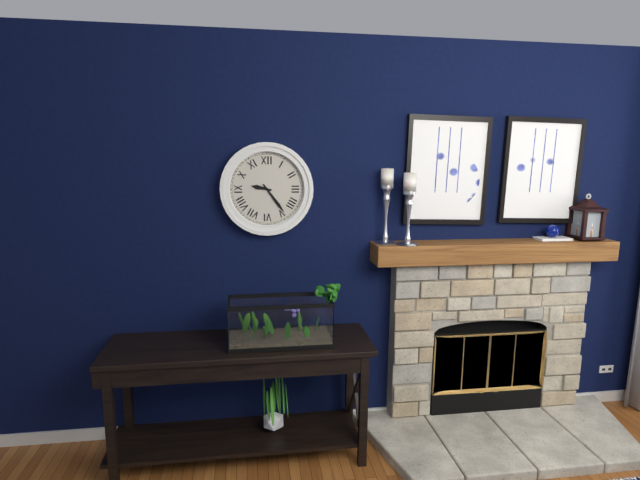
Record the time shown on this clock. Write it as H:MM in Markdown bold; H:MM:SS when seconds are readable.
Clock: **9:24**
